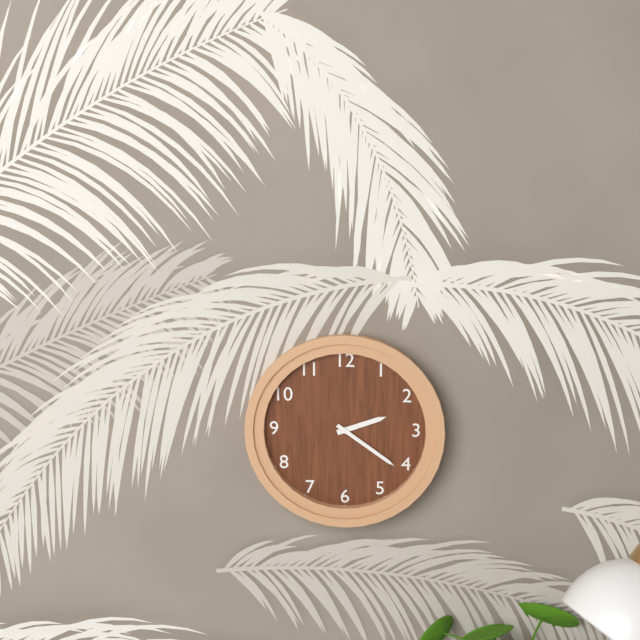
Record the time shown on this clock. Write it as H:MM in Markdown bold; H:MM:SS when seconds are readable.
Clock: **2:21**
